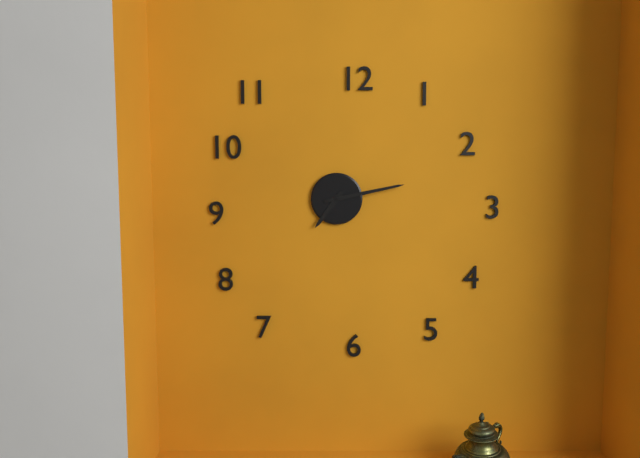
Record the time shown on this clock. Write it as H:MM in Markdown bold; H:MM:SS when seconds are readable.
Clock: **7:13**
